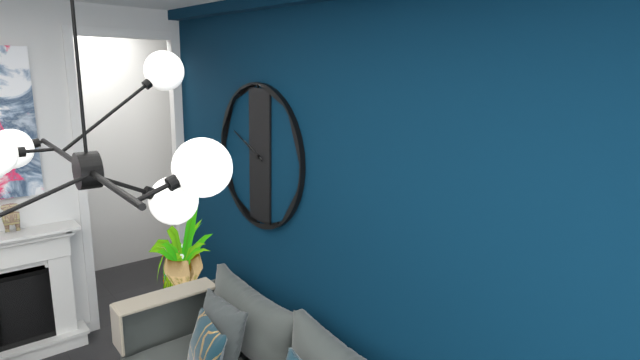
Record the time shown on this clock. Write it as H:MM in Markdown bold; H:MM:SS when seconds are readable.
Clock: **9:49**
